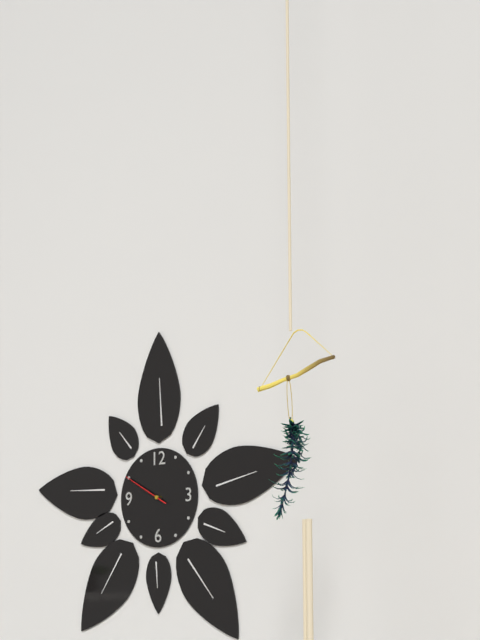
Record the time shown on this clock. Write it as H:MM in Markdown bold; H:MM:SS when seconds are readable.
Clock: **9:50**
